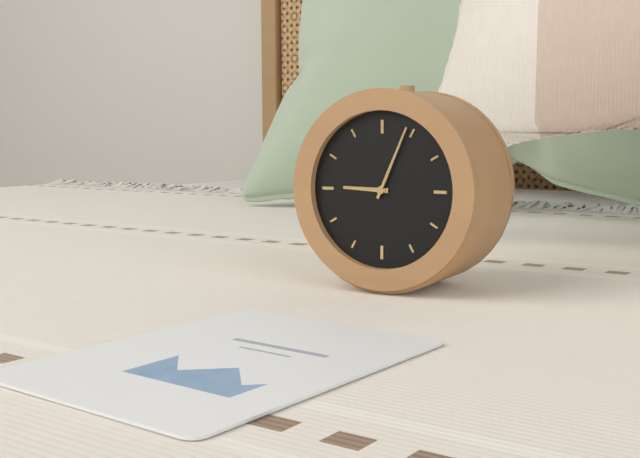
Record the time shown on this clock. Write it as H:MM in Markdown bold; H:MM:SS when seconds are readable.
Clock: **9:04**
